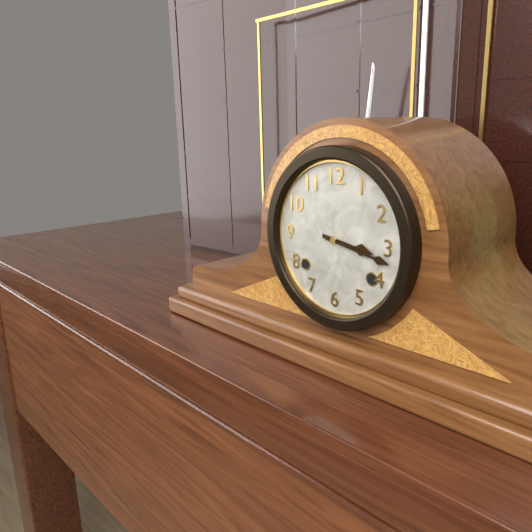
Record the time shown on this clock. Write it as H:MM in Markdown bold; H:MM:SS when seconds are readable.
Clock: **3:17**
